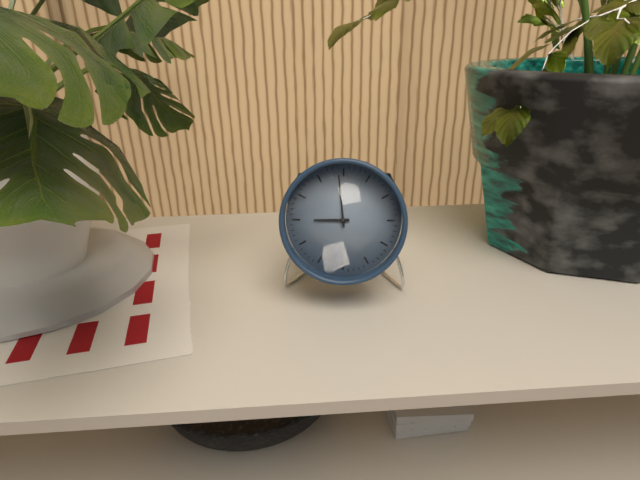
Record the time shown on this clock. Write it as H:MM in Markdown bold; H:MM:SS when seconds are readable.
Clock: **8:59**
